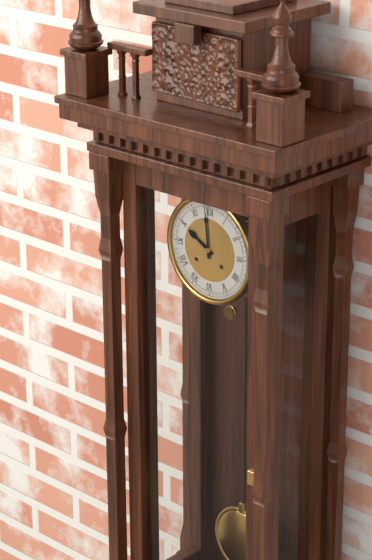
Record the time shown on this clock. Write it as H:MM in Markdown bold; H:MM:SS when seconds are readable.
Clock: **9:59**
